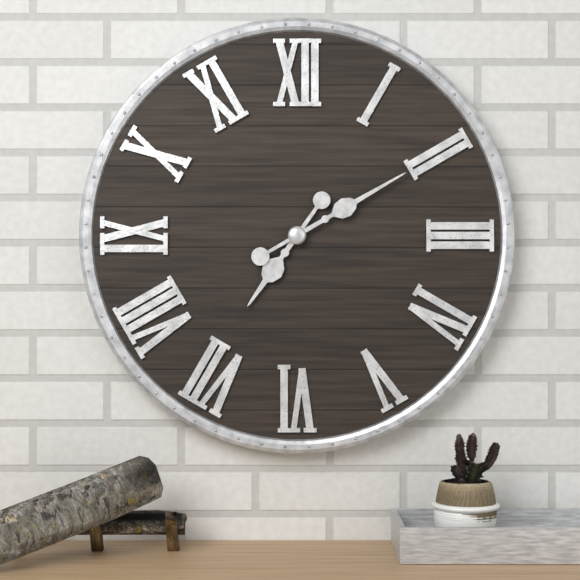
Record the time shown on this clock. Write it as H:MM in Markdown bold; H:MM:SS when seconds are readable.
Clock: **7:10**
